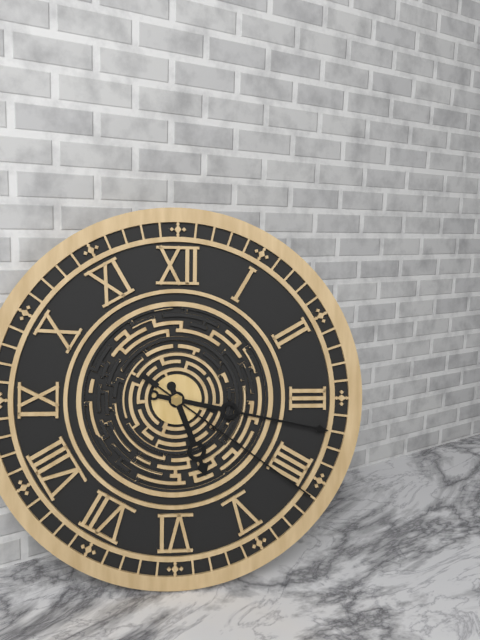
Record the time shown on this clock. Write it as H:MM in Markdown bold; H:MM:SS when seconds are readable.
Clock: **5:17:21**
